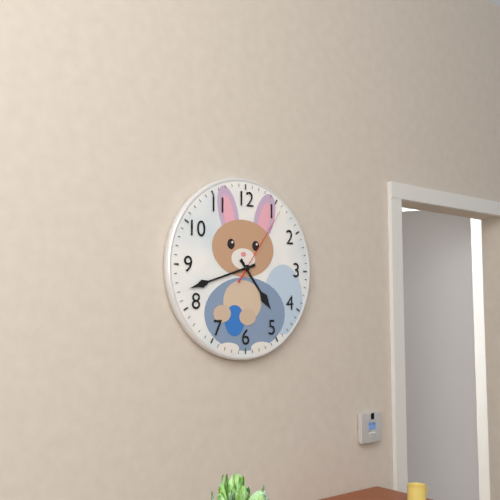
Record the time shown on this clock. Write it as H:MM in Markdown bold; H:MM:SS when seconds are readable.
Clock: **4:42:06**
